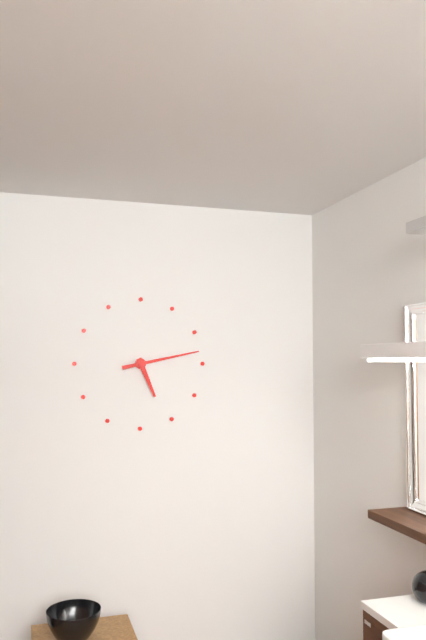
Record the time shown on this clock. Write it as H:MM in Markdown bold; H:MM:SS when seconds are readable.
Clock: **5:13**
